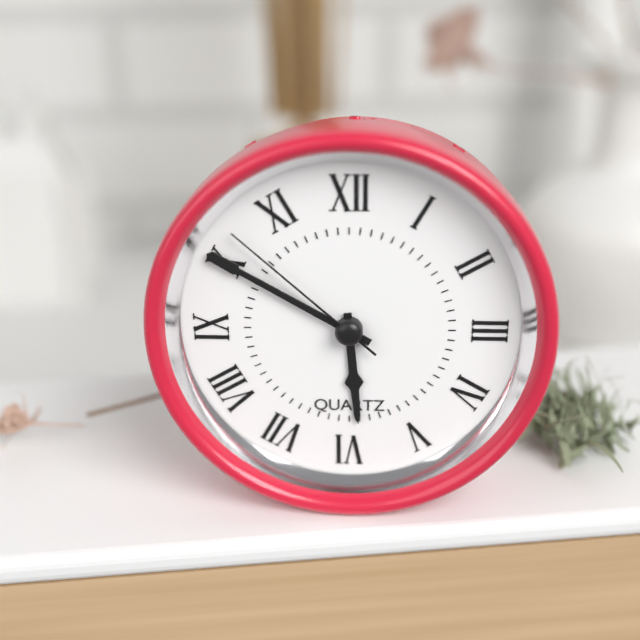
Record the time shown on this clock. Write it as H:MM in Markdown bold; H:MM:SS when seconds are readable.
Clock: **5:50:52**
